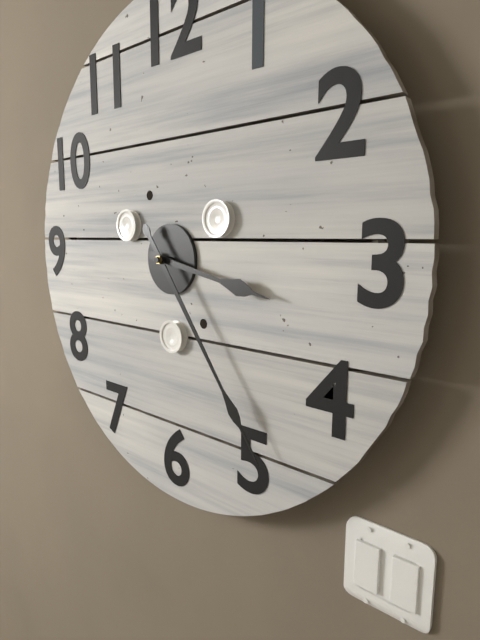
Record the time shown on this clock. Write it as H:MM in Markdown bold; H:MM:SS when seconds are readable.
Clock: **3:24**
